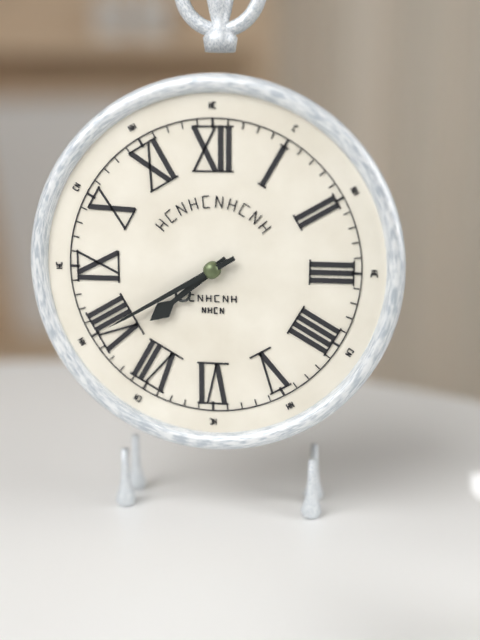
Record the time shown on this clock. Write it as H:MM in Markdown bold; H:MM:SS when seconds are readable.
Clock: **7:40**
